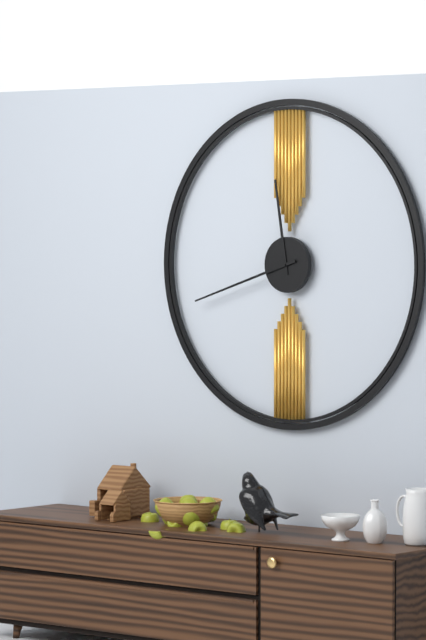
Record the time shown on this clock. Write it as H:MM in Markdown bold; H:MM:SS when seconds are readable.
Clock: **11:42**
